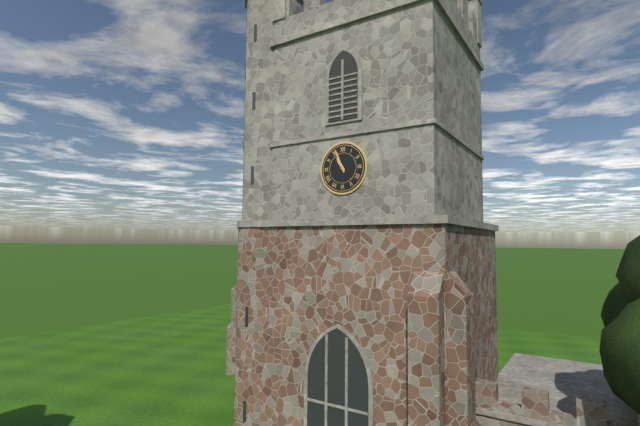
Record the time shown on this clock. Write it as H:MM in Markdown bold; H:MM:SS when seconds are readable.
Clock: **10:56**
